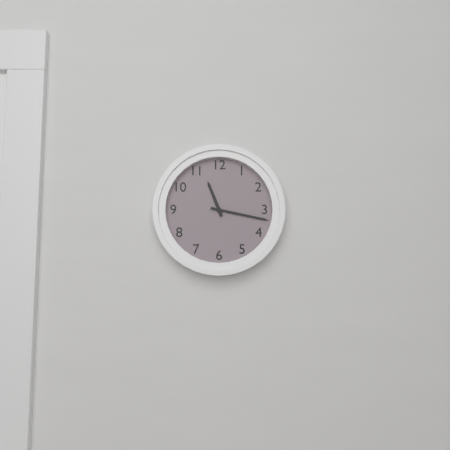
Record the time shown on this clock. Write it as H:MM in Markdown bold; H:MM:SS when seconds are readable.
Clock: **11:17**
